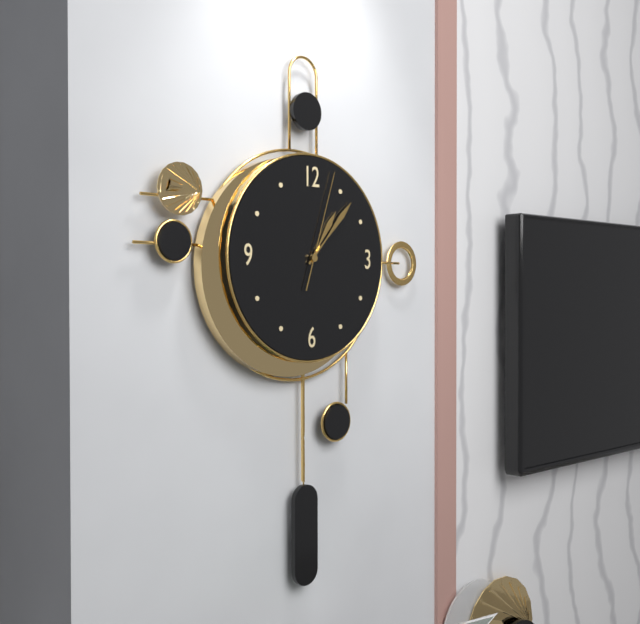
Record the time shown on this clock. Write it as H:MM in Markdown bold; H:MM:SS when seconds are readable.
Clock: **1:07:03**
